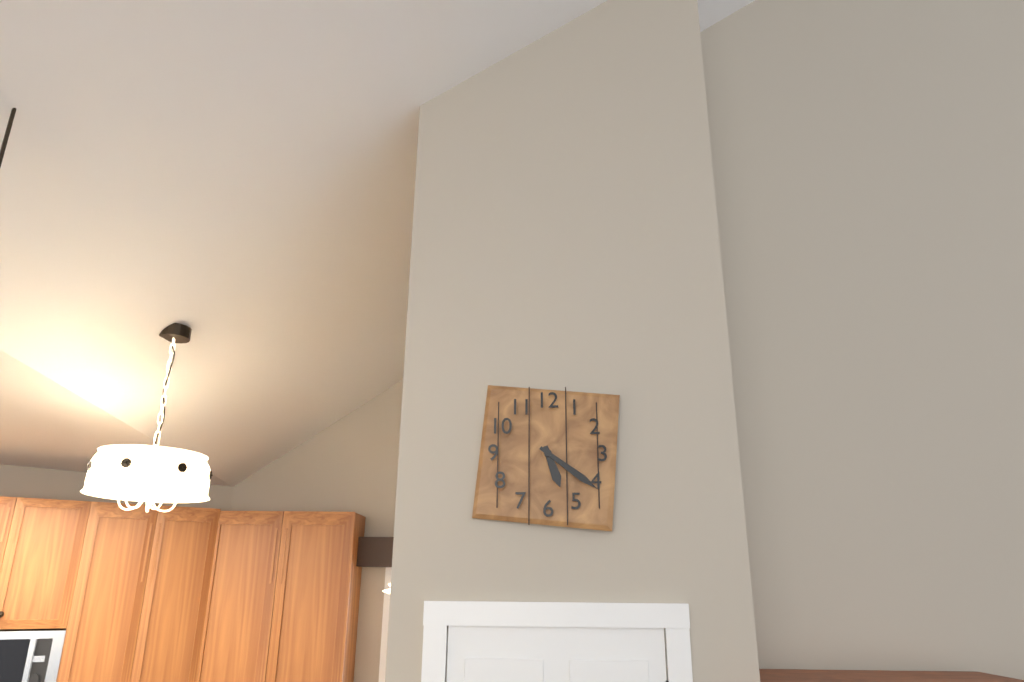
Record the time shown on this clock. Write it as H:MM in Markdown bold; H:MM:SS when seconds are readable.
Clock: **5:21**
